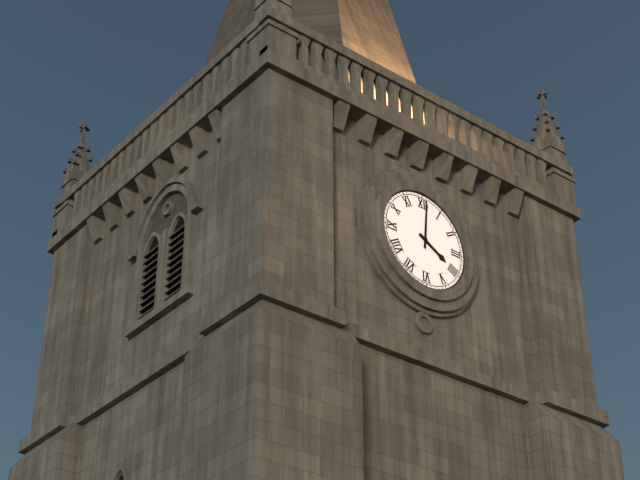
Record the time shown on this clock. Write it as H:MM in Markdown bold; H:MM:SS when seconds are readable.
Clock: **4:01**
